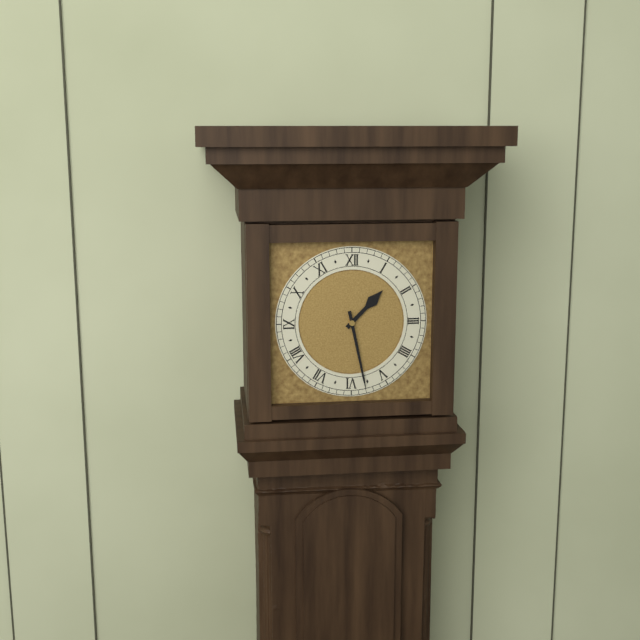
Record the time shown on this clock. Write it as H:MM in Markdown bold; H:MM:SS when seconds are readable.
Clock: **1:28**
